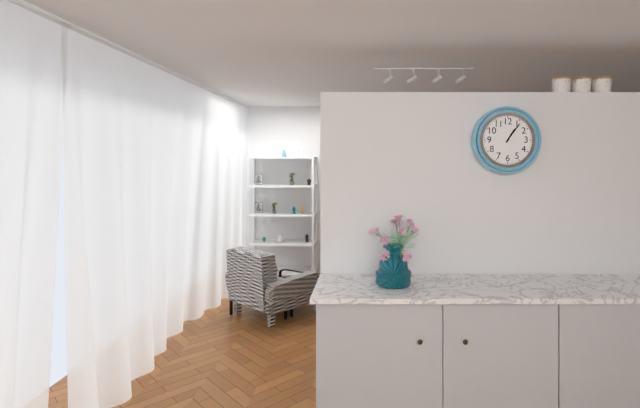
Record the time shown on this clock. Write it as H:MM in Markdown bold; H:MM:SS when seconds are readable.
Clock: **1:06**
